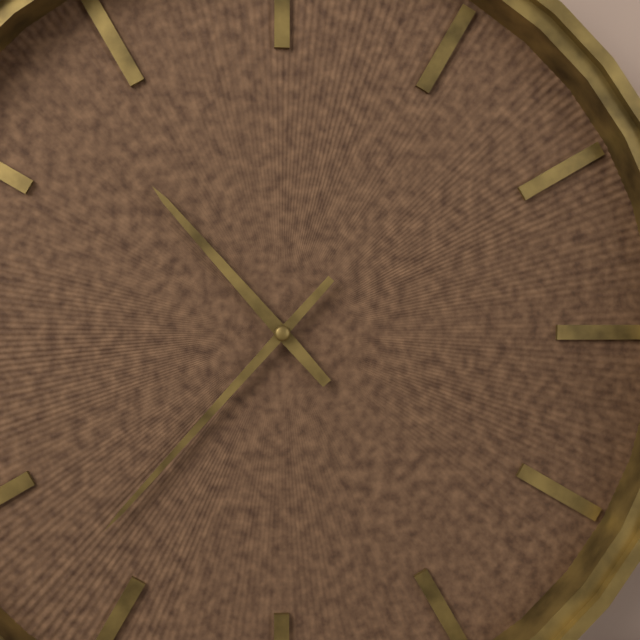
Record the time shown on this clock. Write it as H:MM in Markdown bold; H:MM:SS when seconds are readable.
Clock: **10:37**
